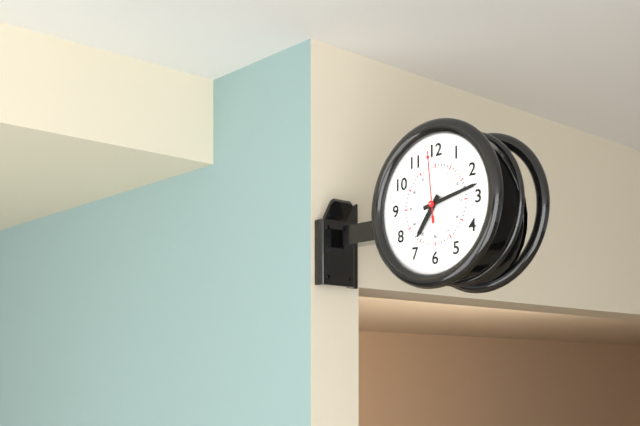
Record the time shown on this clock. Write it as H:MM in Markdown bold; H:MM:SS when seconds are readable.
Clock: **7:13:59**
